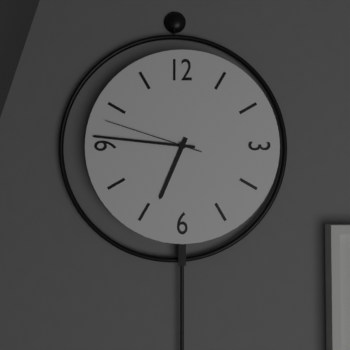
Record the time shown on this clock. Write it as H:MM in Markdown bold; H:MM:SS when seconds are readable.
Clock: **6:46:48**
